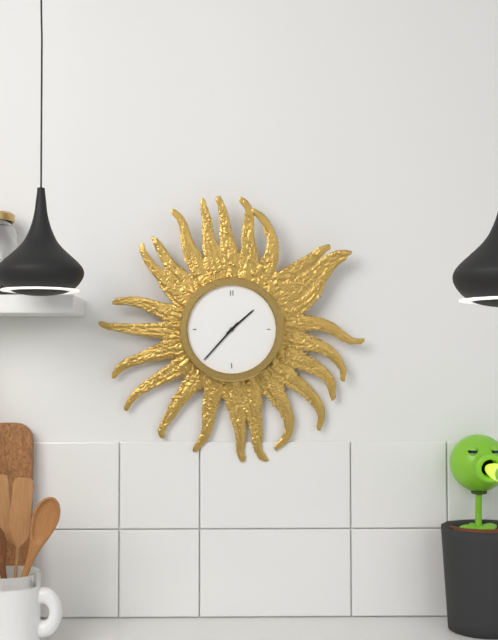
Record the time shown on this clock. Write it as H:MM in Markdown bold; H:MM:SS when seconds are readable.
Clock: **1:37**
